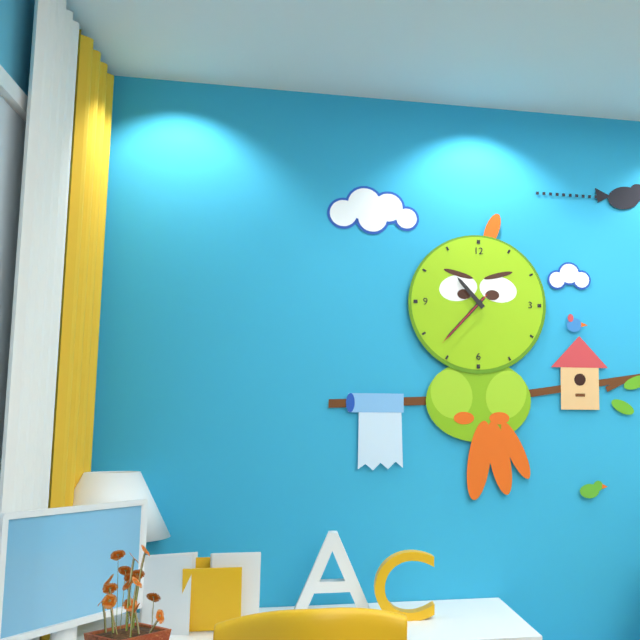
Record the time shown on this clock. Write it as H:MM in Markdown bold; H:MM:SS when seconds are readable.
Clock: **10:37:37**
